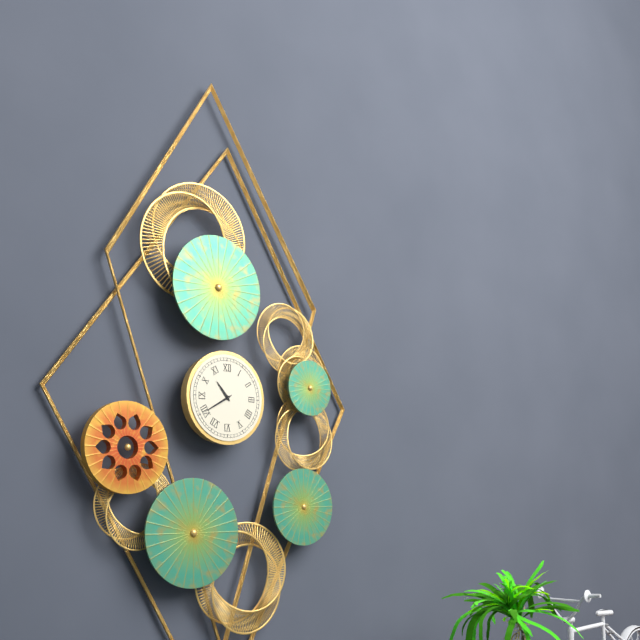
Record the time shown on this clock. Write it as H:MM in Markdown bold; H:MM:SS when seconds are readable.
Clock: **10:40**
